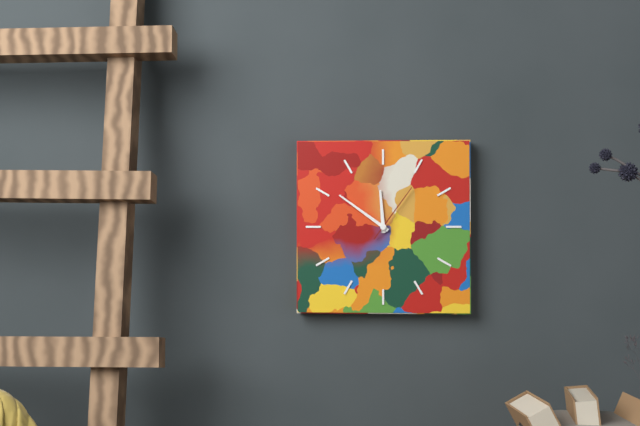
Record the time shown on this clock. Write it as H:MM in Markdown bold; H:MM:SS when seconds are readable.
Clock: **11:51:06**
